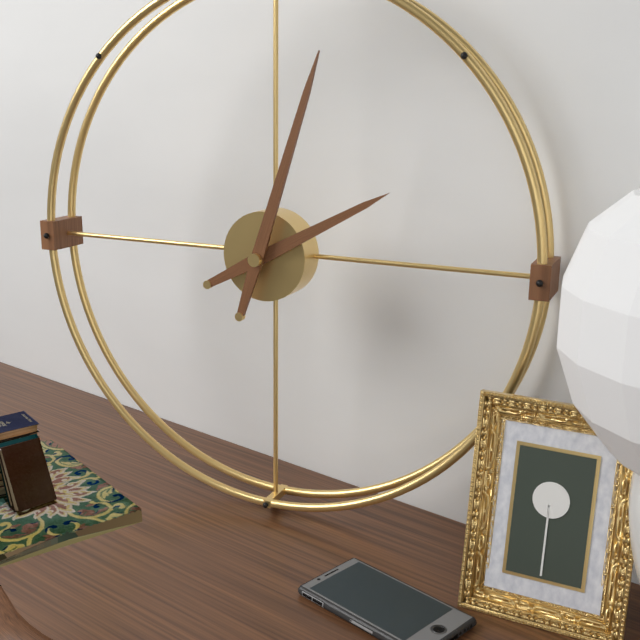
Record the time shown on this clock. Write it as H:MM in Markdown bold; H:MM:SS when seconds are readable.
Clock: **2:03**
